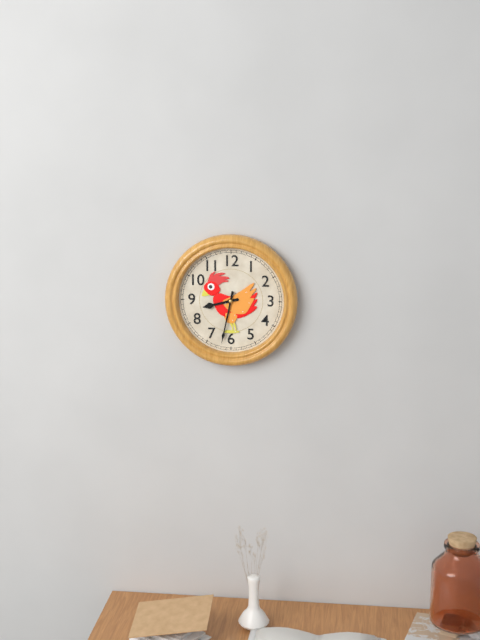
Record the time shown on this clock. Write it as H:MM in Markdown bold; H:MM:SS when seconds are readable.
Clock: **8:32**
